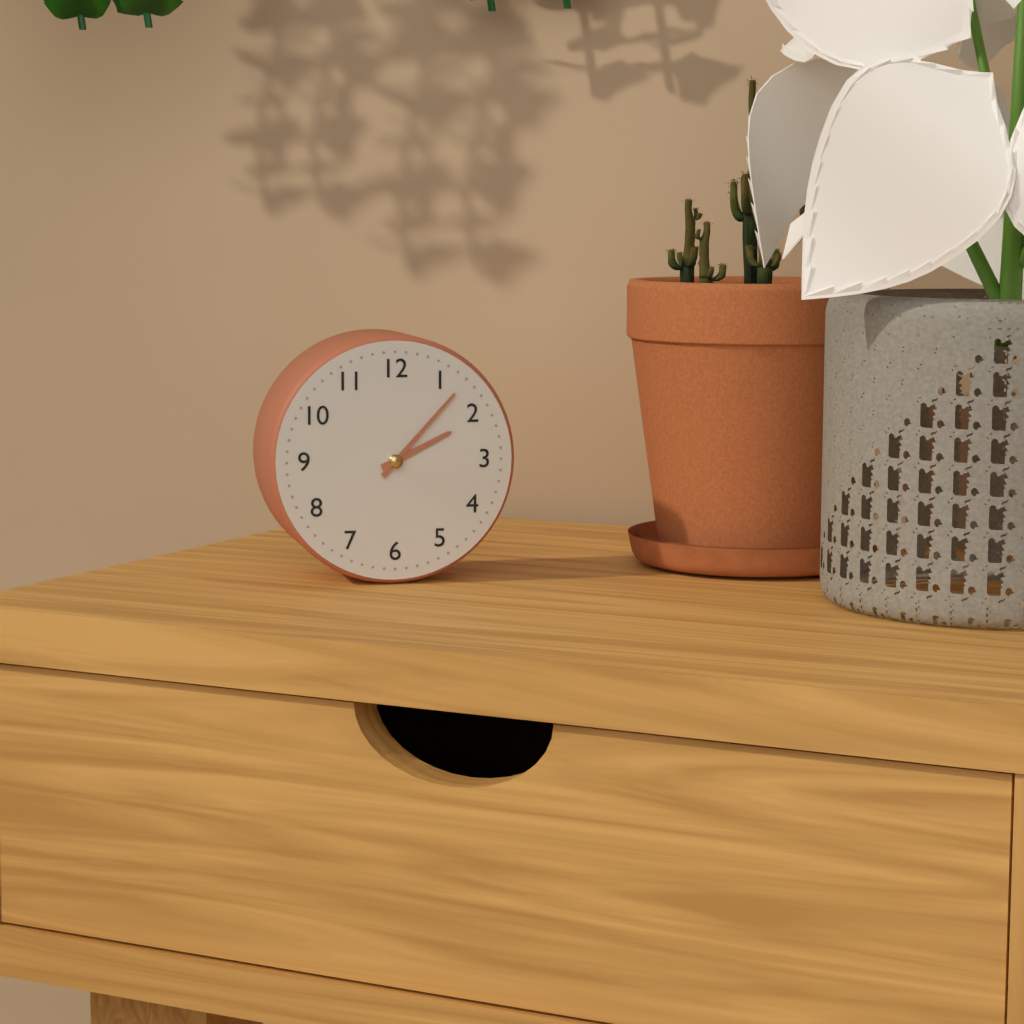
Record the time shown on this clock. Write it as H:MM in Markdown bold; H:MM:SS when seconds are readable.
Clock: **2:07**
